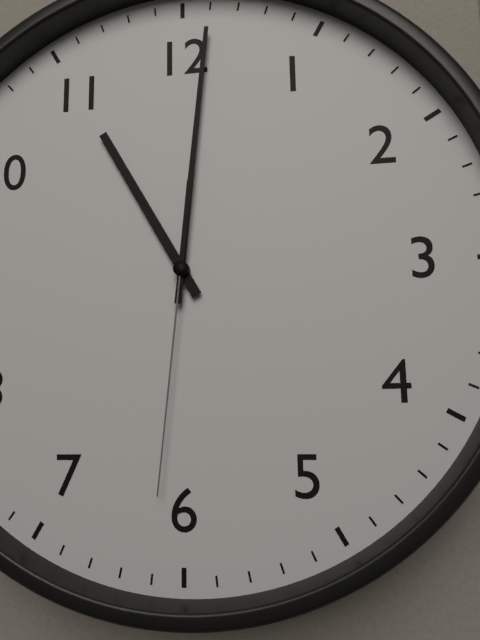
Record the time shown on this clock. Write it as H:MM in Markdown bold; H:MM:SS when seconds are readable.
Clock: **11:01:31**
